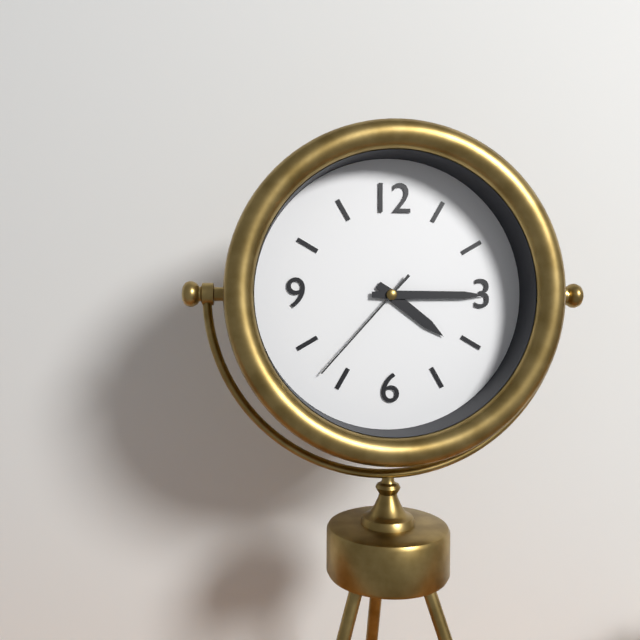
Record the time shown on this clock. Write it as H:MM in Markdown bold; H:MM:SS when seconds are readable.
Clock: **4:15:37**
